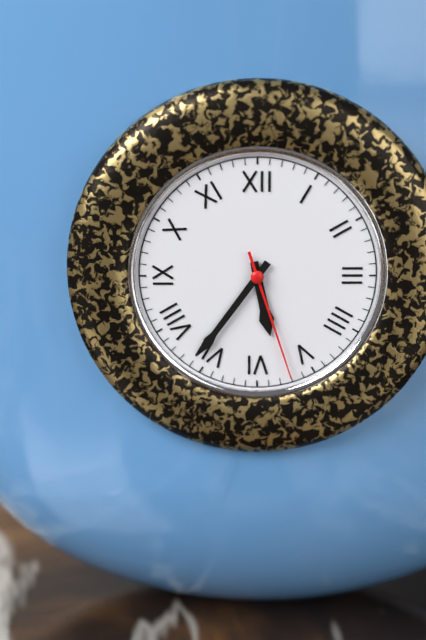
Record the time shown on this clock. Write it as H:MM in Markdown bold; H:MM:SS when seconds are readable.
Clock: **5:36:27**
